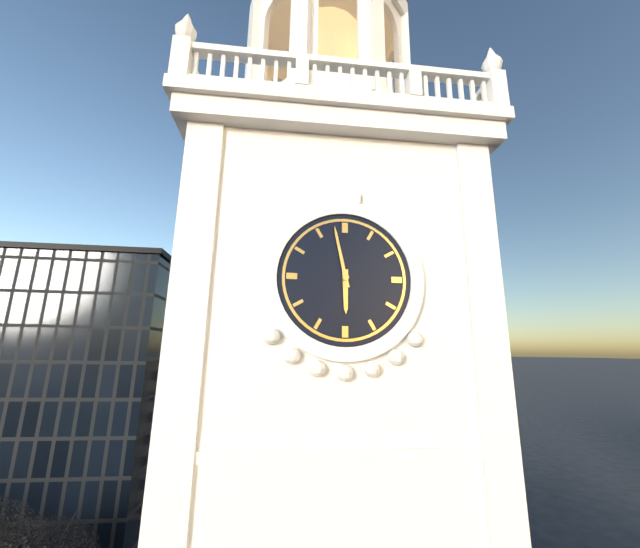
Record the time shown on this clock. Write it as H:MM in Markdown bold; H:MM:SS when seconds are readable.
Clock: **5:58**
